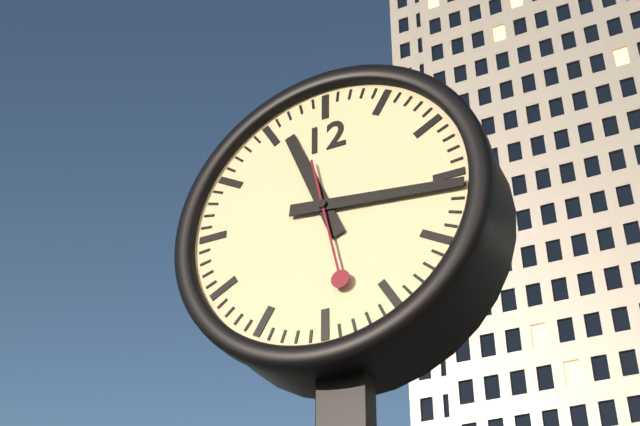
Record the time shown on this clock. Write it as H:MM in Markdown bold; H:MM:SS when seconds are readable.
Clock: **11:16:28**
